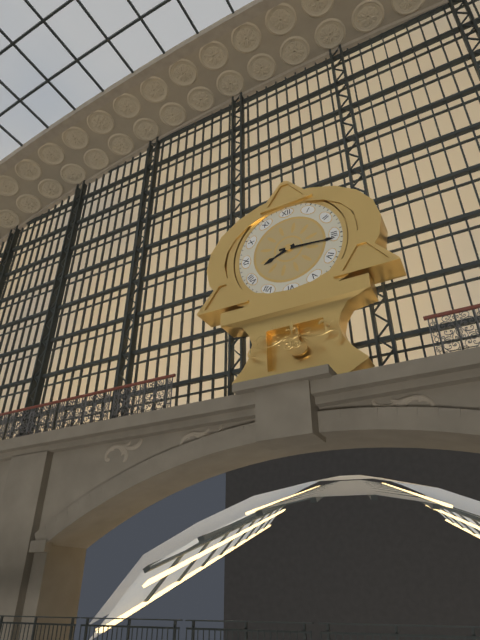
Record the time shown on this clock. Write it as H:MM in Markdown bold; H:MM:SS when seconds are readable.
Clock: **8:16**
